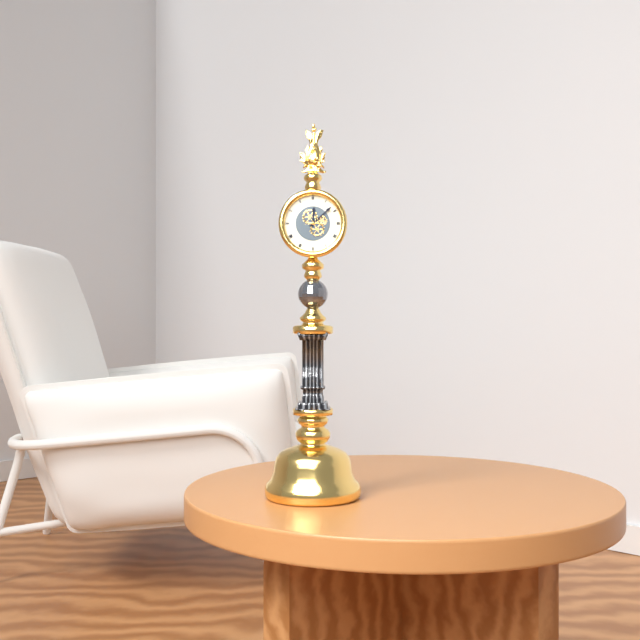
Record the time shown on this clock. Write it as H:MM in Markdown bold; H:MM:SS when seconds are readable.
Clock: **12:08**
